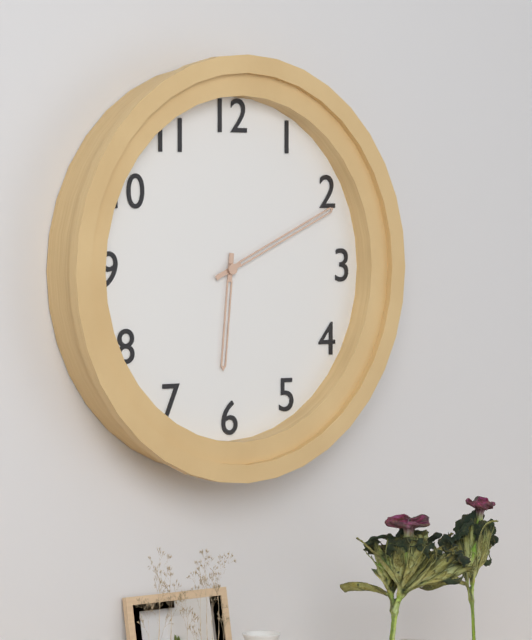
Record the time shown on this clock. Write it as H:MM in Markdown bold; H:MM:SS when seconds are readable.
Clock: **6:11**
